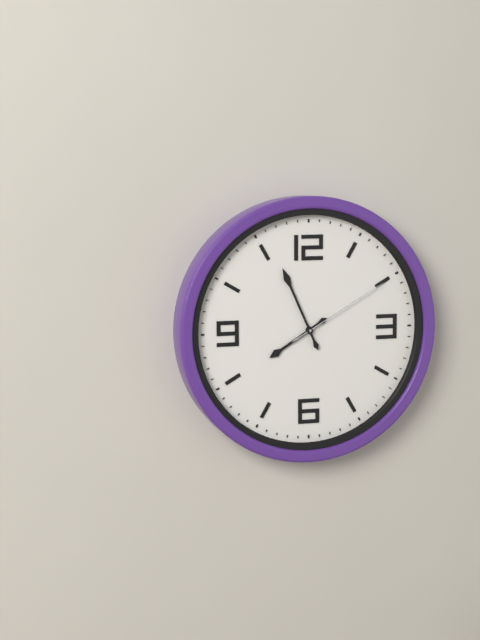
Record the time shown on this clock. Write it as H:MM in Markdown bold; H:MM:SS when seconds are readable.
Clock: **7:56:10**
